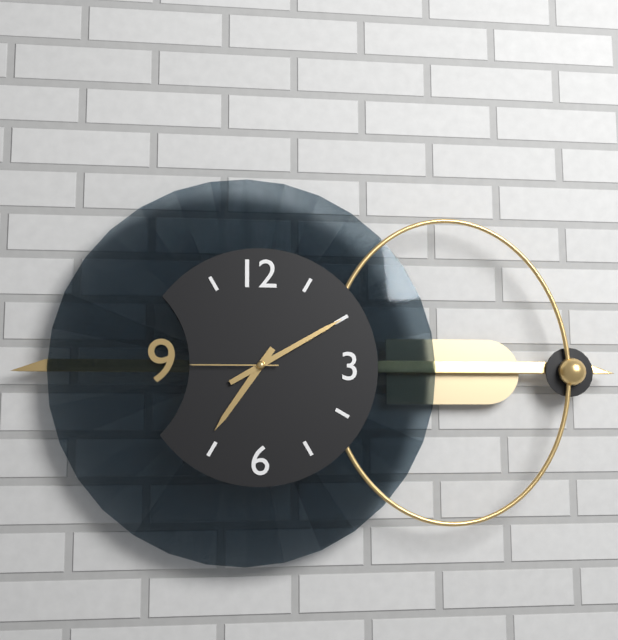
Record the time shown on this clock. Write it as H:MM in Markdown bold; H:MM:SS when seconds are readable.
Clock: **7:10:45**
